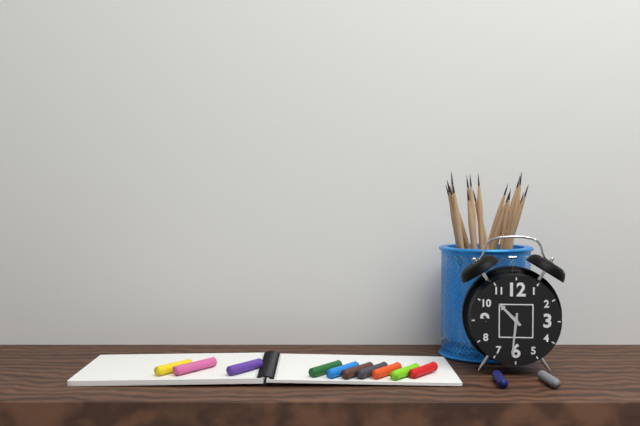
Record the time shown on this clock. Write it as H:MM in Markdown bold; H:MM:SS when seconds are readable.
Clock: **10:31**
